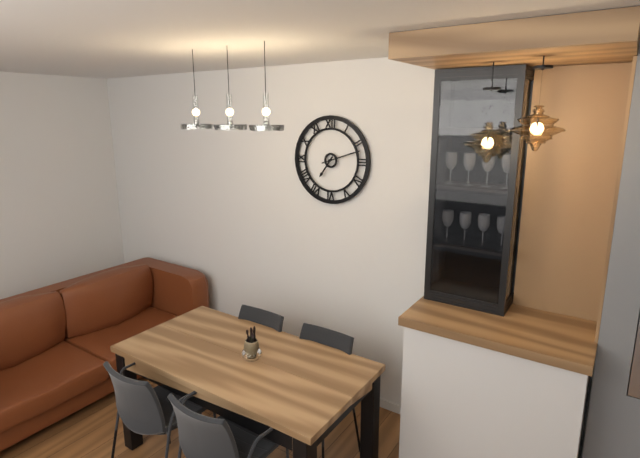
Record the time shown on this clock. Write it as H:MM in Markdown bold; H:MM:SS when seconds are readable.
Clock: **7:12**
